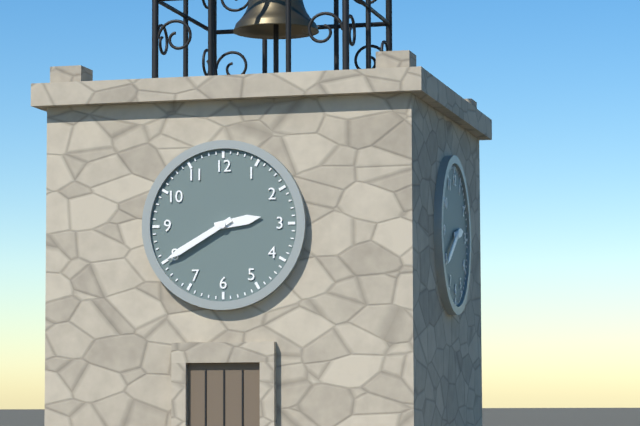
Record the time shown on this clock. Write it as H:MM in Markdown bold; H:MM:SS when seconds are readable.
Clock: **2:40**
